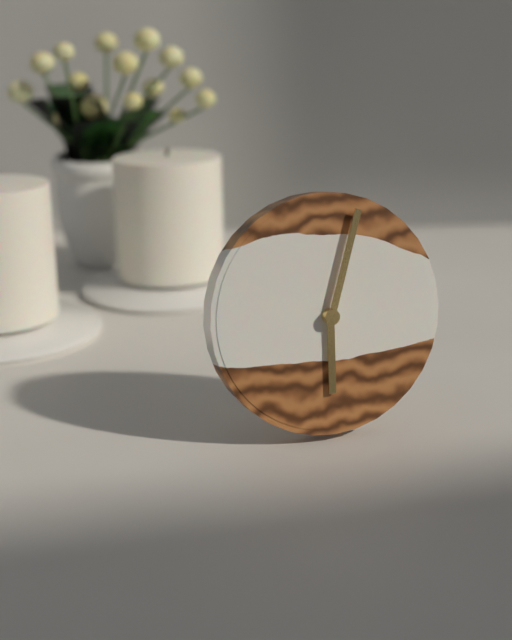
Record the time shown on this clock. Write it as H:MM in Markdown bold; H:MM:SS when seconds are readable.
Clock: **6:03**
